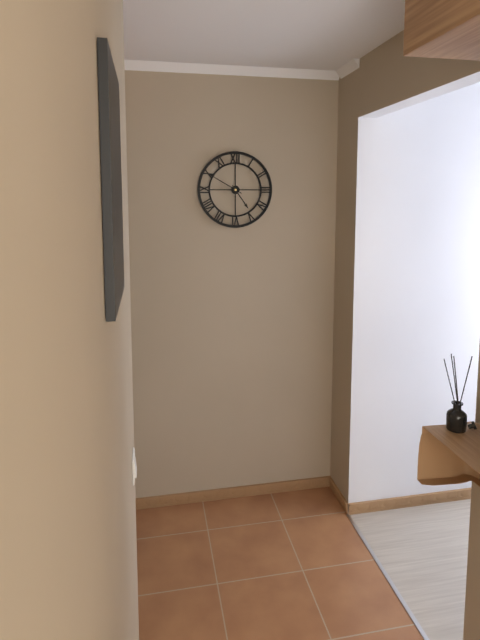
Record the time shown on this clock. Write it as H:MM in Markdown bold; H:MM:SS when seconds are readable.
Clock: **4:50**
